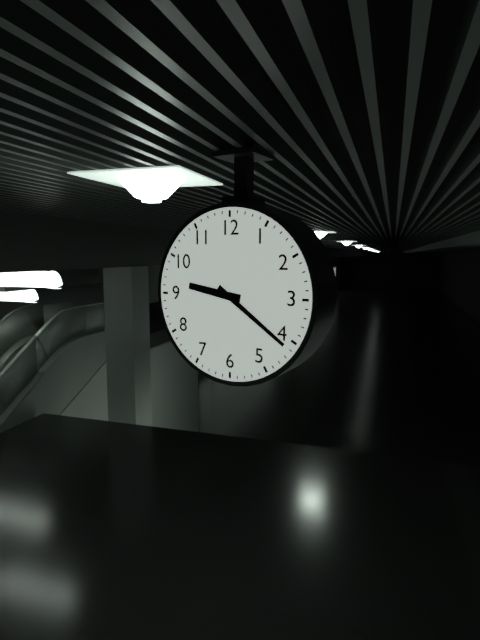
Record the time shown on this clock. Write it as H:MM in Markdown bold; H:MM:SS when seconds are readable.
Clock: **9:21**
